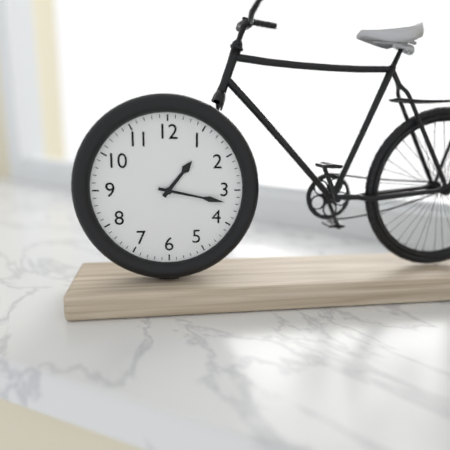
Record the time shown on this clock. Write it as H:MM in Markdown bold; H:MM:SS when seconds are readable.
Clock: **1:17**
